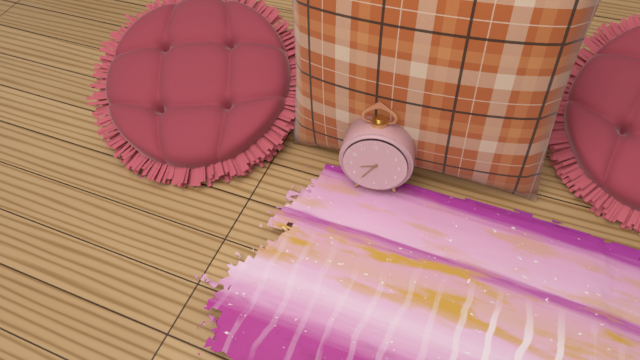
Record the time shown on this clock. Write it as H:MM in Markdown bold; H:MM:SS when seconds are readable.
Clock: **8:36**
